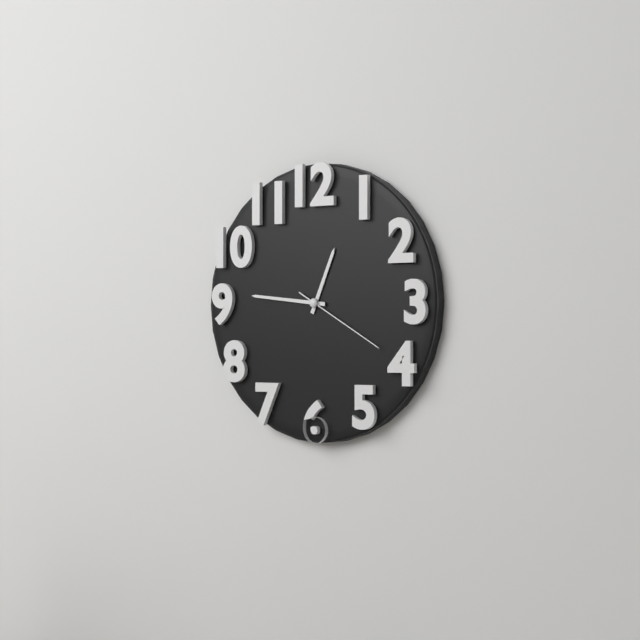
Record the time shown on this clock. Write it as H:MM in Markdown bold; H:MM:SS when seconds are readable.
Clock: **12:46:20**
